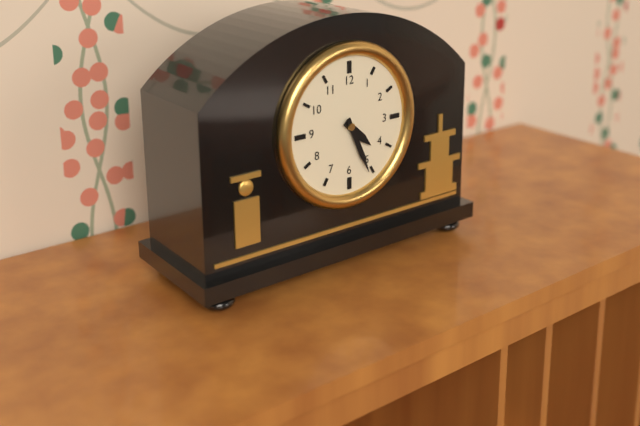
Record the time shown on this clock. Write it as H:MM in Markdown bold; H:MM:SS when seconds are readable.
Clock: **4:26**
